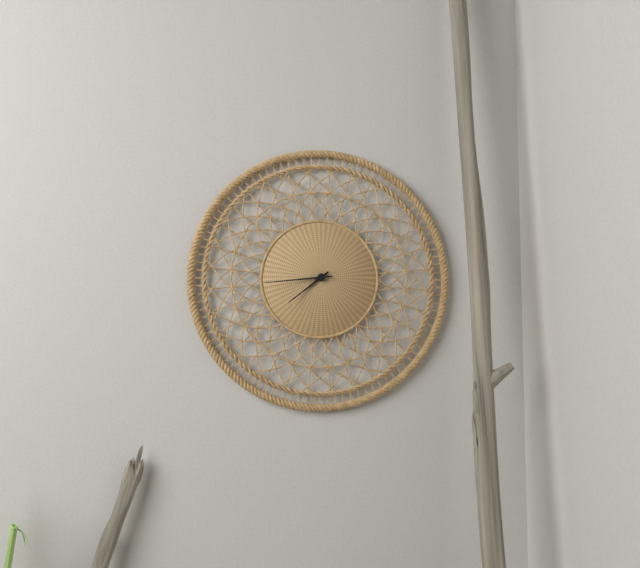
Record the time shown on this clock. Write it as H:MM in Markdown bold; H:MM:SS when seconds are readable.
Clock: **7:44**
